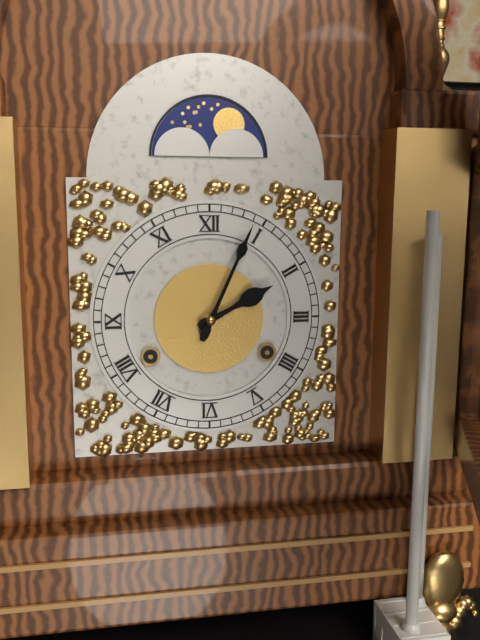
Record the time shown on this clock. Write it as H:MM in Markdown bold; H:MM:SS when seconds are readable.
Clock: **2:04**
